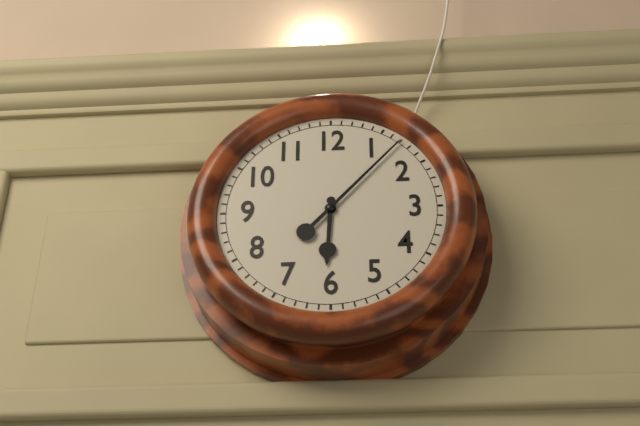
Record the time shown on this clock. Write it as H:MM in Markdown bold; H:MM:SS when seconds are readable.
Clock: **6:07**
